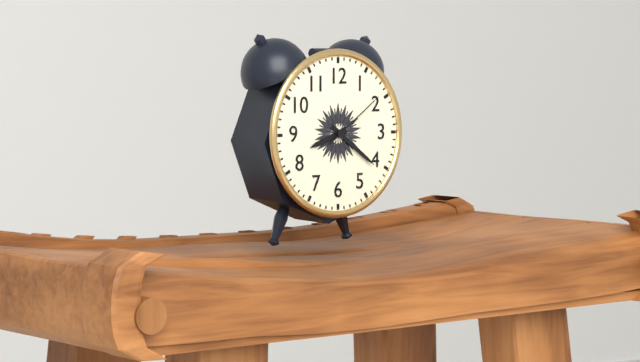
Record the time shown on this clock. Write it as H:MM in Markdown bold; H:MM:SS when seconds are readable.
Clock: **8:21:09**
